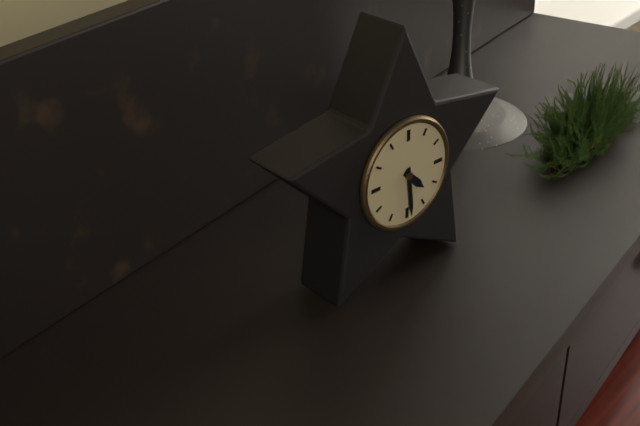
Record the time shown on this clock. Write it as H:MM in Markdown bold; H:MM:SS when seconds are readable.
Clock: **4:29**
